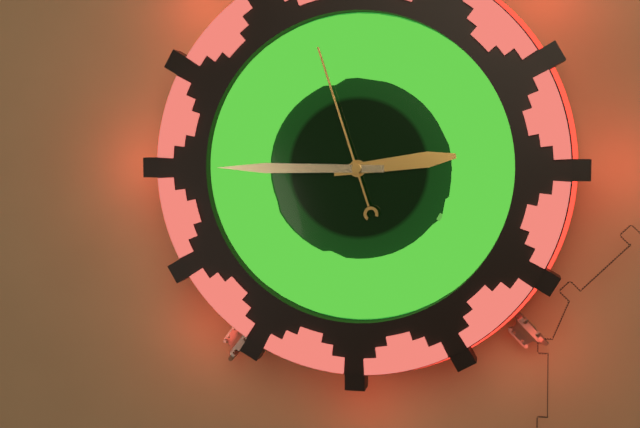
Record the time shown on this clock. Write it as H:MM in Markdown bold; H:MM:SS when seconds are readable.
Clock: **2:45:57**
